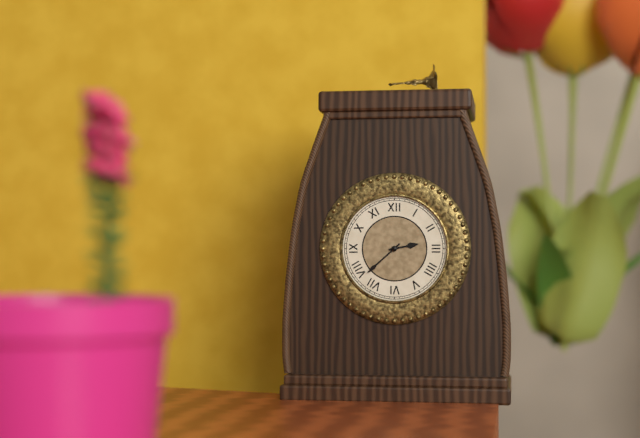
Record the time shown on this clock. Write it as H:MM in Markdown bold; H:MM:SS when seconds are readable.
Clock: **2:38**
